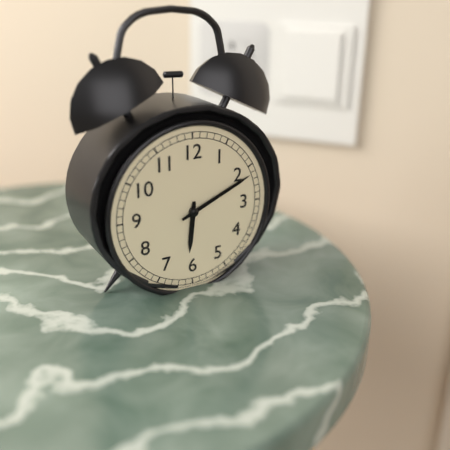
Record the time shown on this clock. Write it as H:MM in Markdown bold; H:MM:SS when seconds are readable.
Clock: **6:11**
